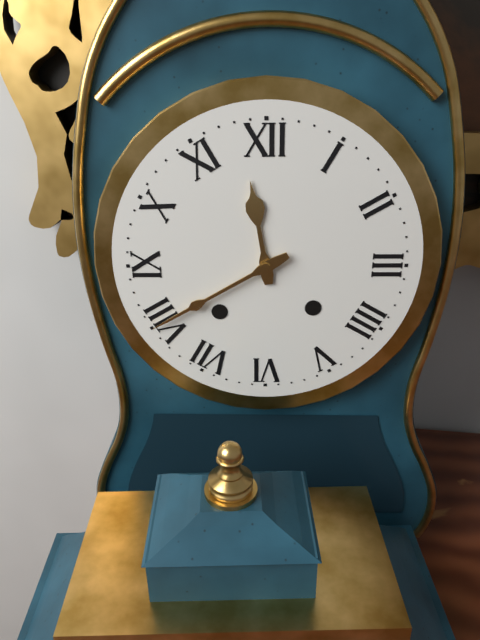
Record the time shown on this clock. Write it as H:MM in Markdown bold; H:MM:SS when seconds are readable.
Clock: **11:40**
